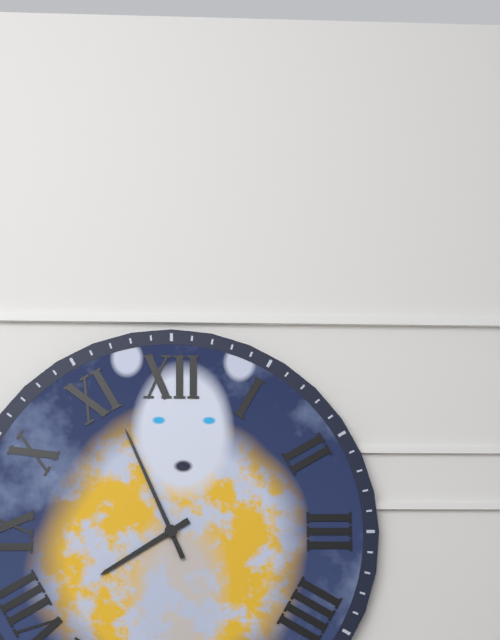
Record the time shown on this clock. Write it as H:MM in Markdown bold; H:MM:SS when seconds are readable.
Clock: **7:56**
